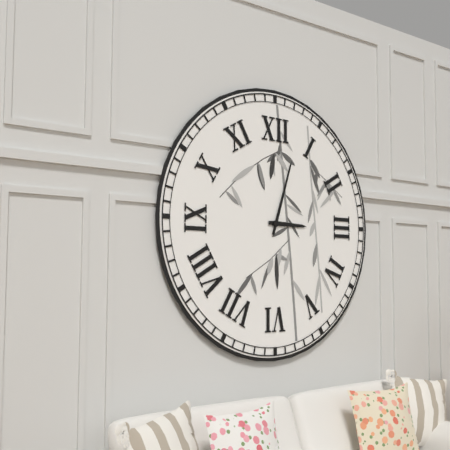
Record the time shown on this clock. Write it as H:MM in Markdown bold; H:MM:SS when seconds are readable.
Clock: **3:03**
